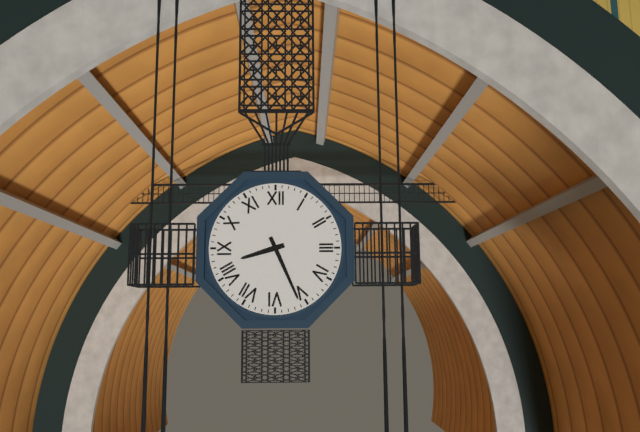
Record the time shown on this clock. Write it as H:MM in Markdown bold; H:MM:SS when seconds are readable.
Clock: **8:26**
